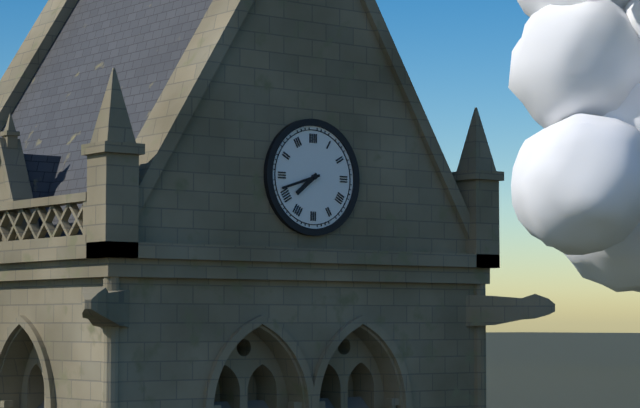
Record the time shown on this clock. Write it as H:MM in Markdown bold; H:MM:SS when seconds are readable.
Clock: **7:42**
